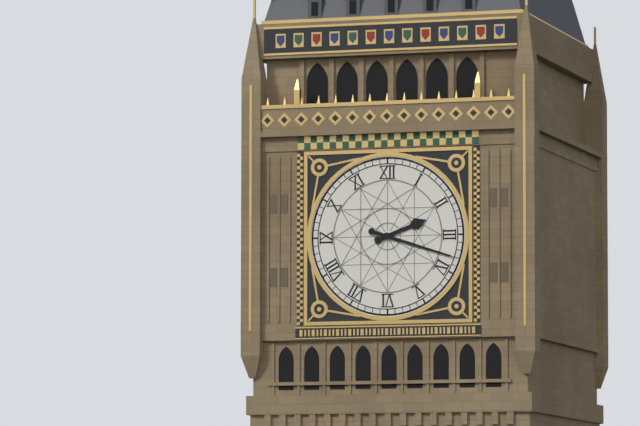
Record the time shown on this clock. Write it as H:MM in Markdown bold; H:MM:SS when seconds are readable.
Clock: **2:18**
